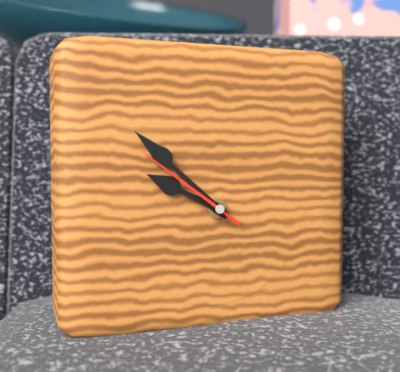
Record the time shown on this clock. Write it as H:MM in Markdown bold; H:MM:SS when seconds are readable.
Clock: **9:52:51**
